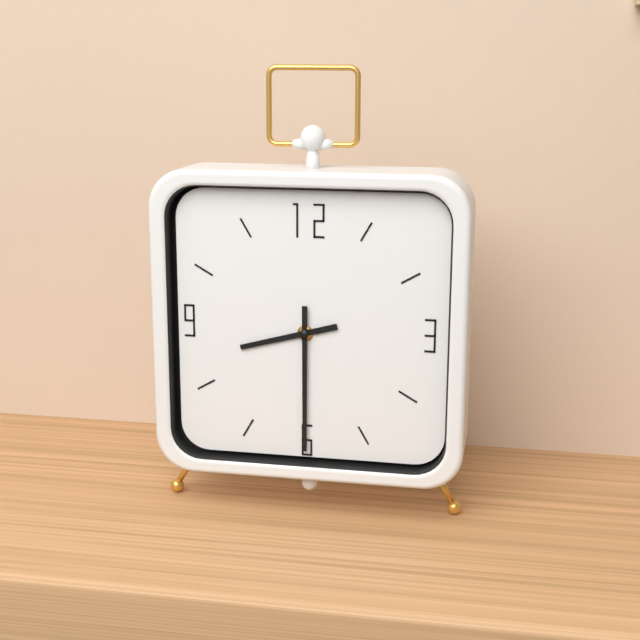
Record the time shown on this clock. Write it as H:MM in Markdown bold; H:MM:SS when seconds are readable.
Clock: **8:30**
